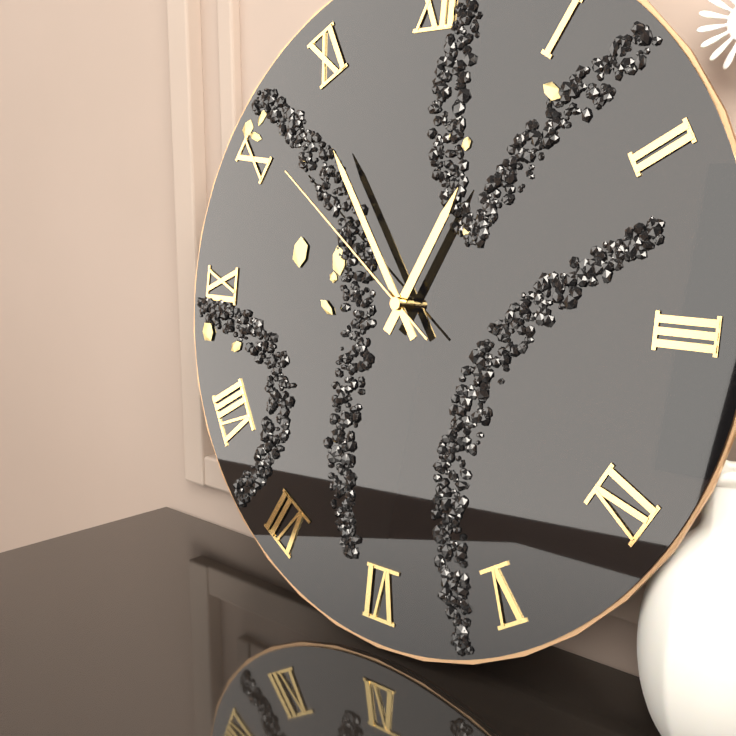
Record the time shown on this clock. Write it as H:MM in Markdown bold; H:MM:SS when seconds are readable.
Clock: **12:54:51**
